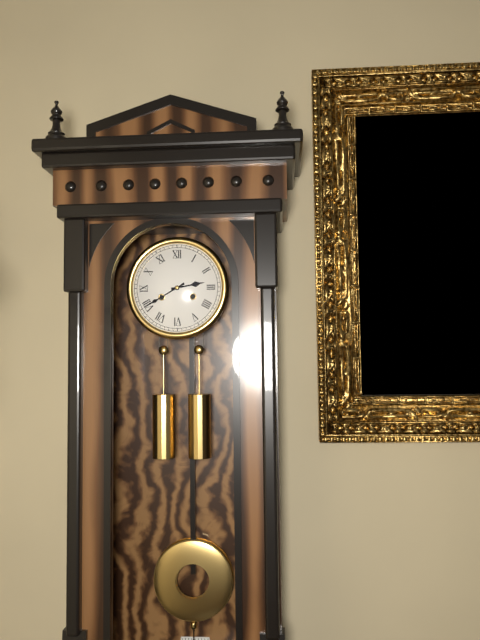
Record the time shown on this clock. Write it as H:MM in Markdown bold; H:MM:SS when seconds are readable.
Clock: **2:40**
